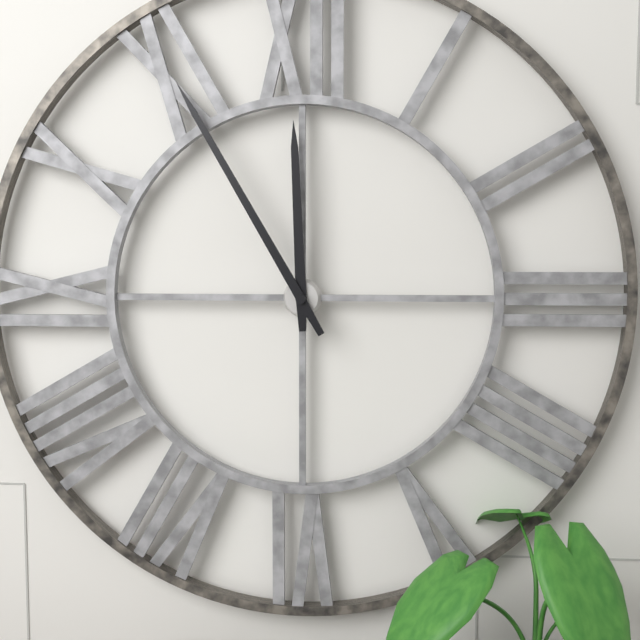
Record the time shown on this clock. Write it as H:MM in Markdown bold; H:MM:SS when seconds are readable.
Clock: **11:55**
